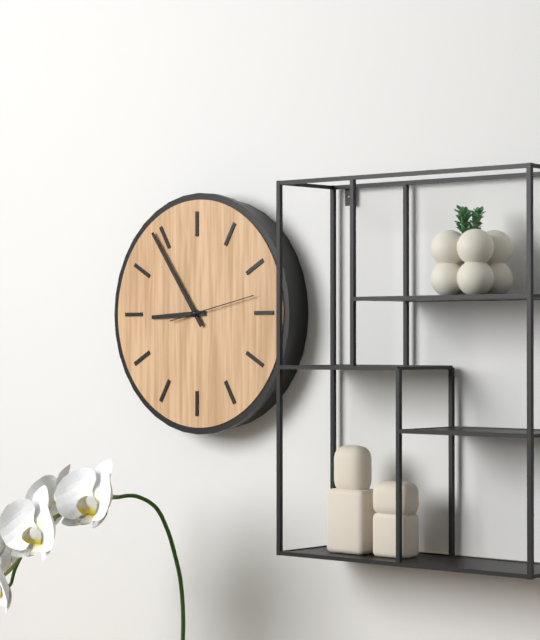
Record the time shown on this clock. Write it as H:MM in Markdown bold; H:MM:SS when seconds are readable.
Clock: **8:54:13**
